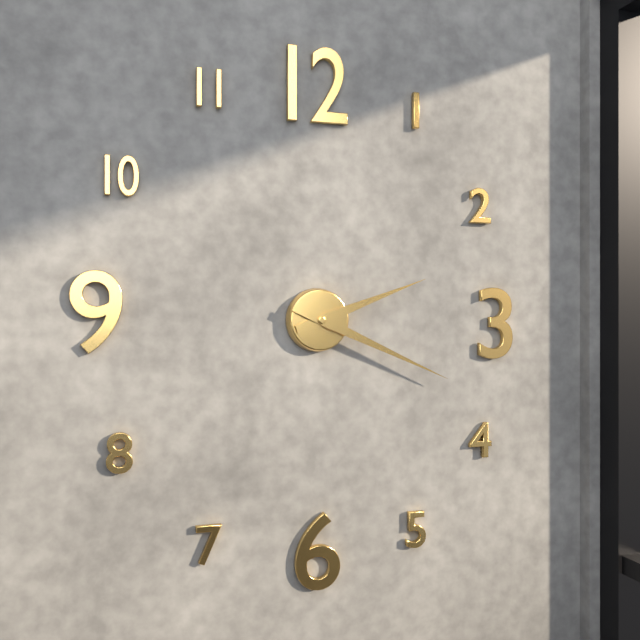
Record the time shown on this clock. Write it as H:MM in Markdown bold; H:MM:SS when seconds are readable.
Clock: **2:19**
